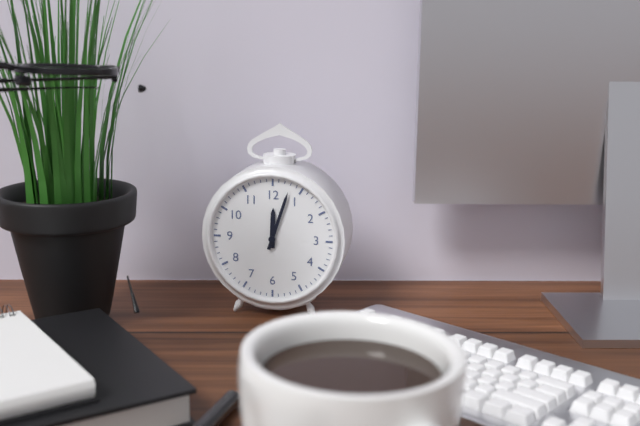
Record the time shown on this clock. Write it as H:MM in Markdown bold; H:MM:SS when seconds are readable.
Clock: **12:03**
